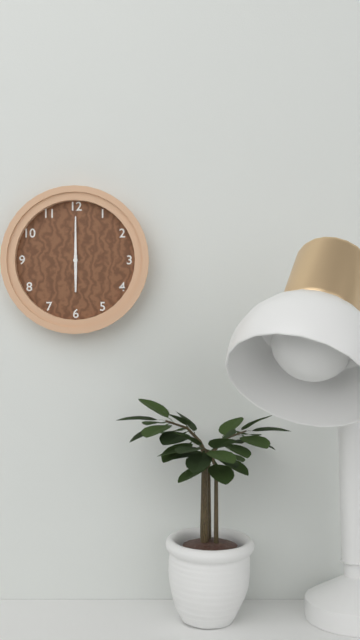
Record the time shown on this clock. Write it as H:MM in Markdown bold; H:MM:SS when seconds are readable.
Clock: **6:00**
